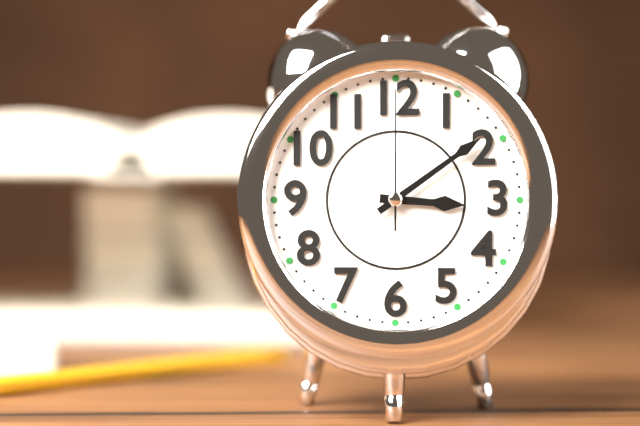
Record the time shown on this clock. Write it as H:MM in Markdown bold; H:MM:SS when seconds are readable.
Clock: **3:09:00**
